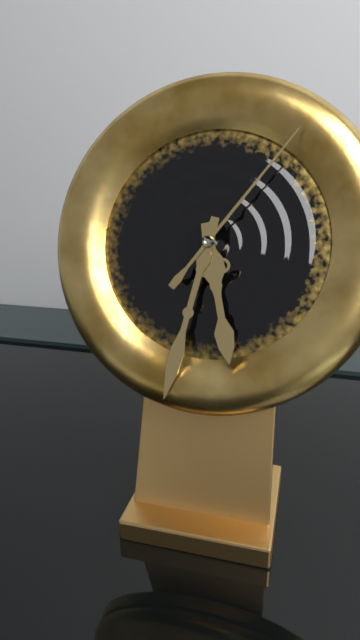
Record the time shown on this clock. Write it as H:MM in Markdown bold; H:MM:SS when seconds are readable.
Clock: **5:32:06**
